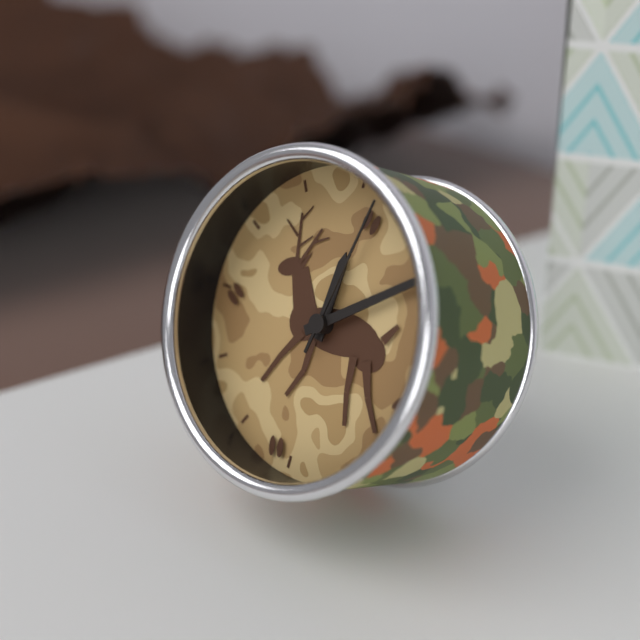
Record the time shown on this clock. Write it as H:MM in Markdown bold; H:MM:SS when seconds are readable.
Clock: **12:09:02**
